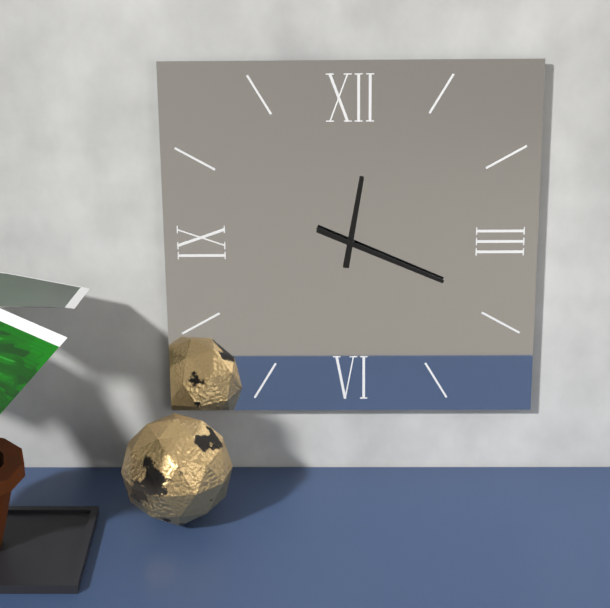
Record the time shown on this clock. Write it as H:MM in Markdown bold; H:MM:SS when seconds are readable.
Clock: **12:19**
